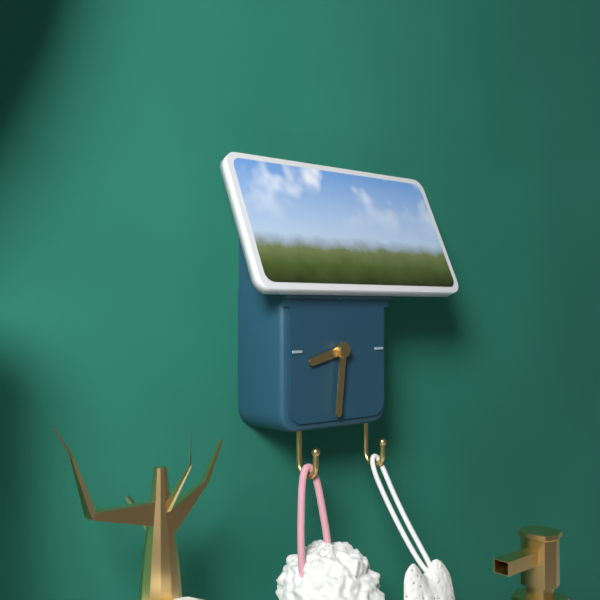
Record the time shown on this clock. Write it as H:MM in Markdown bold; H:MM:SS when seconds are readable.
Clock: **8:31**
